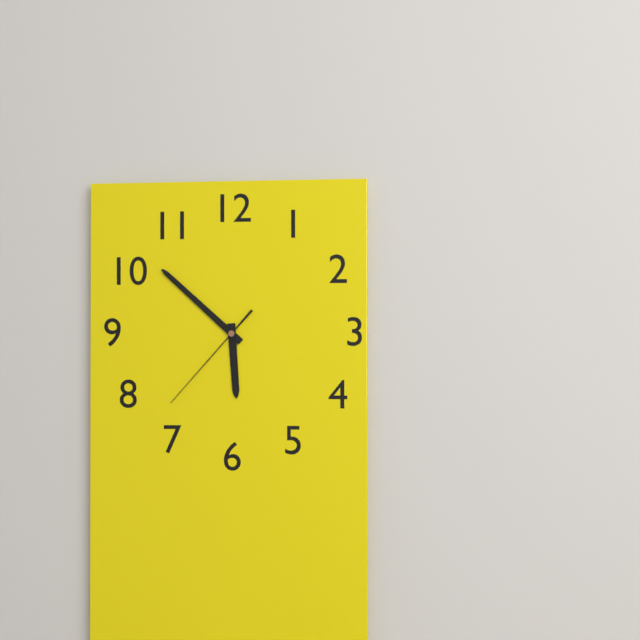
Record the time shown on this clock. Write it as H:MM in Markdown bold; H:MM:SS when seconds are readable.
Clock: **5:52:37**
